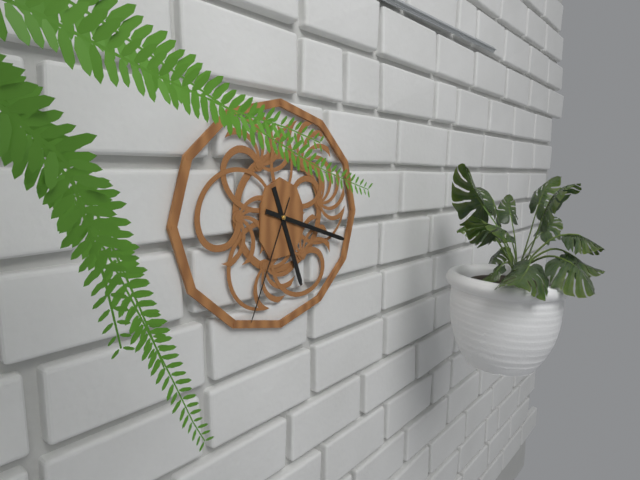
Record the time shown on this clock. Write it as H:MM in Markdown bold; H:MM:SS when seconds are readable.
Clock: **5:18:34**
